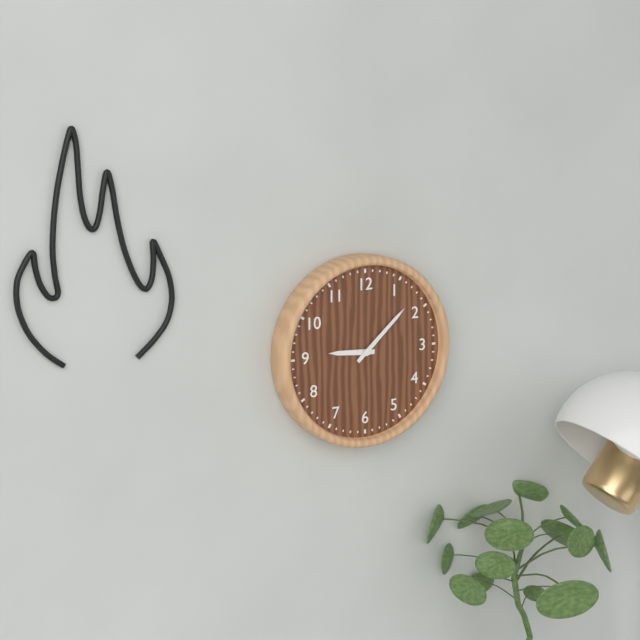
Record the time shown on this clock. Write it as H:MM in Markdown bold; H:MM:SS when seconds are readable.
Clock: **9:08**
